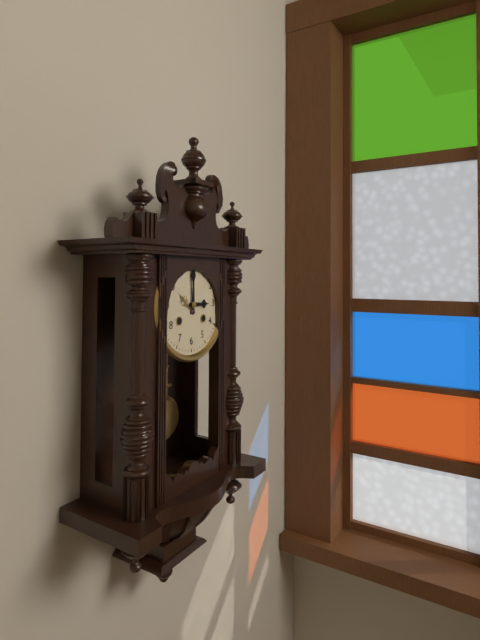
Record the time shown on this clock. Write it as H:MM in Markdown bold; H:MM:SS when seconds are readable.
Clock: **3:00**
